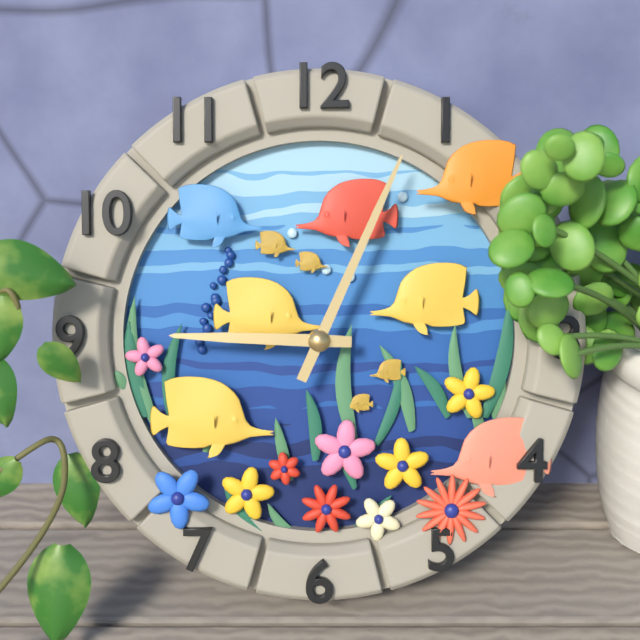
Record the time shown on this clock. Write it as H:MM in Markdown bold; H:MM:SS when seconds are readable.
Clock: **9:04**
